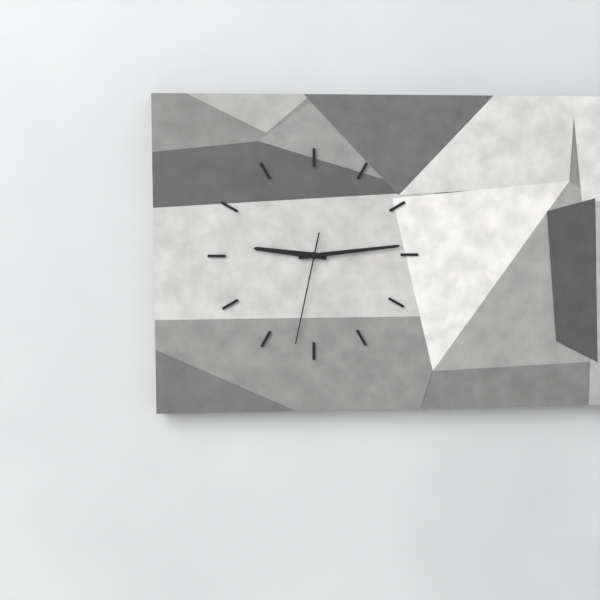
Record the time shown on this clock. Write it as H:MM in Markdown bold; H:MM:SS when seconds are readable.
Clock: **9:14:32**
